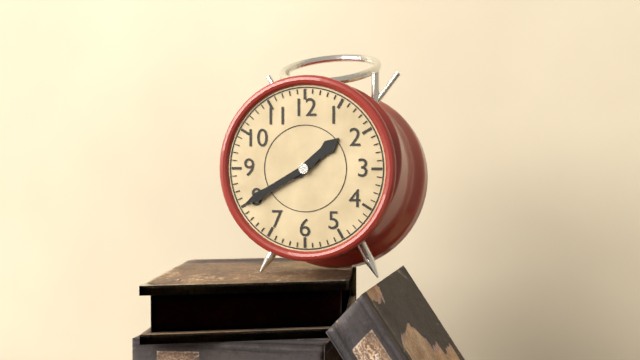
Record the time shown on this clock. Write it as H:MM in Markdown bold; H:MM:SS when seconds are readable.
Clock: **1:40**
